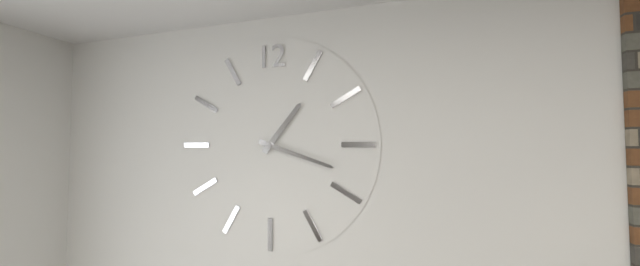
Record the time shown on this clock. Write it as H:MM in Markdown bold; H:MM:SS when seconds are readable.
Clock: **1:18**
